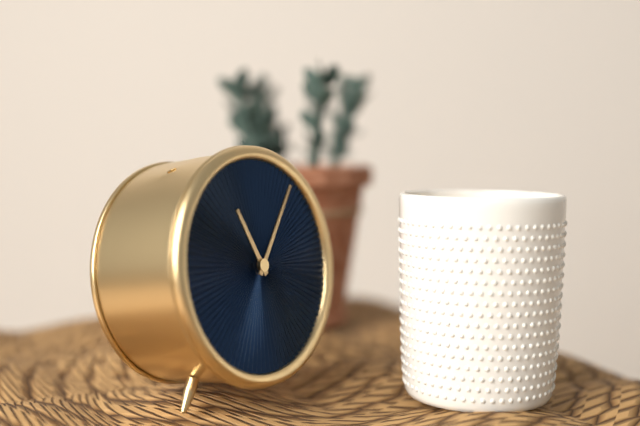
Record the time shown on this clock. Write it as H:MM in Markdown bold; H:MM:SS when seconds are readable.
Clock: **11:06**
